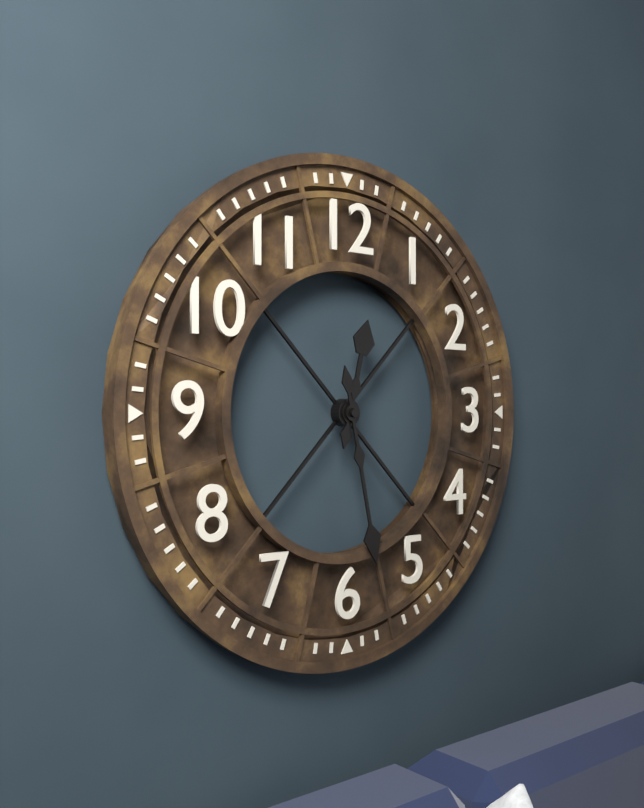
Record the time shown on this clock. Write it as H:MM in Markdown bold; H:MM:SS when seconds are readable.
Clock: **12:28**
